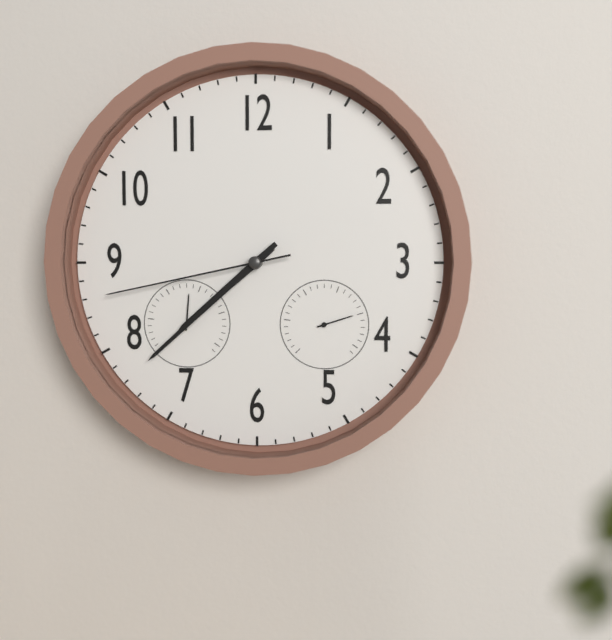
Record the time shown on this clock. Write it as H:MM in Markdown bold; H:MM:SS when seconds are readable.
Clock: **7:38:43**
